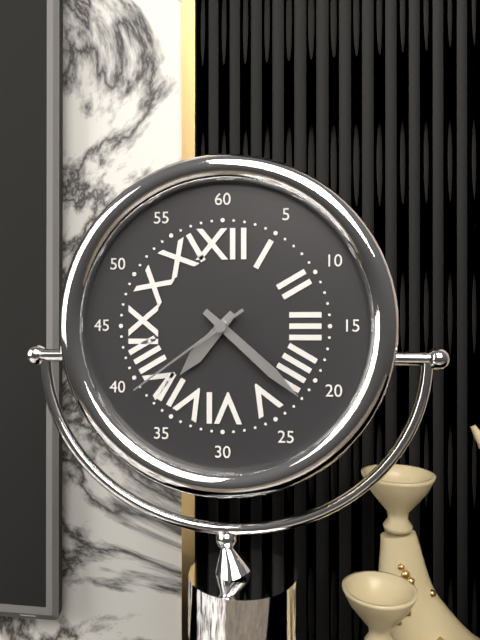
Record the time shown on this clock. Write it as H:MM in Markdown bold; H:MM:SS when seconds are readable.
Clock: **7:22:39**
